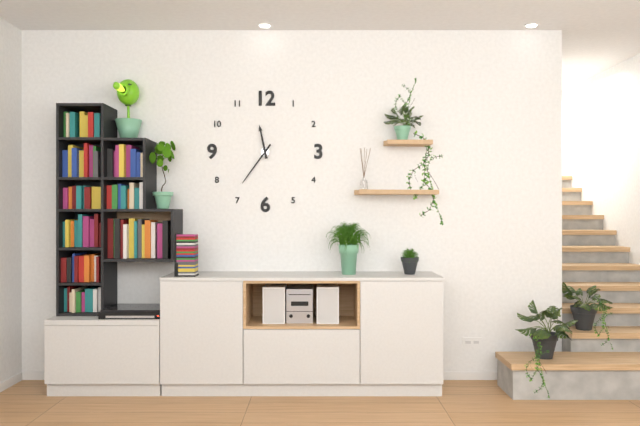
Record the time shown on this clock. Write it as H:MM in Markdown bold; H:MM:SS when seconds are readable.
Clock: **11:36**
